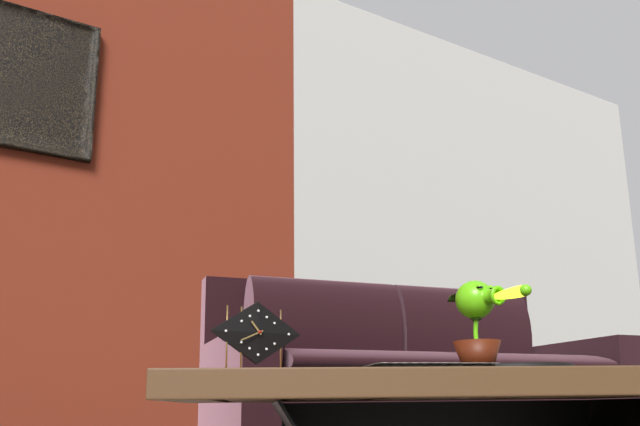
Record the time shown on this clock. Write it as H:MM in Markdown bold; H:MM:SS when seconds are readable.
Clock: **10:41**
